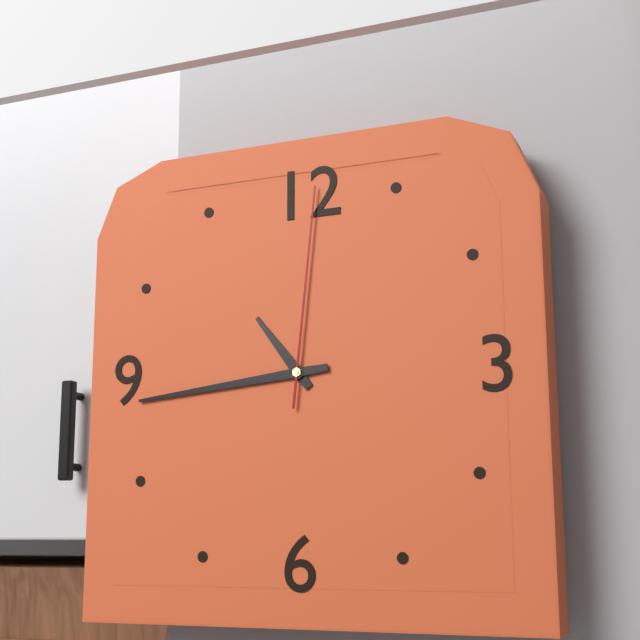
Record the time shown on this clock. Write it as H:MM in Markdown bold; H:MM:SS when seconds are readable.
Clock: **10:44:01**
